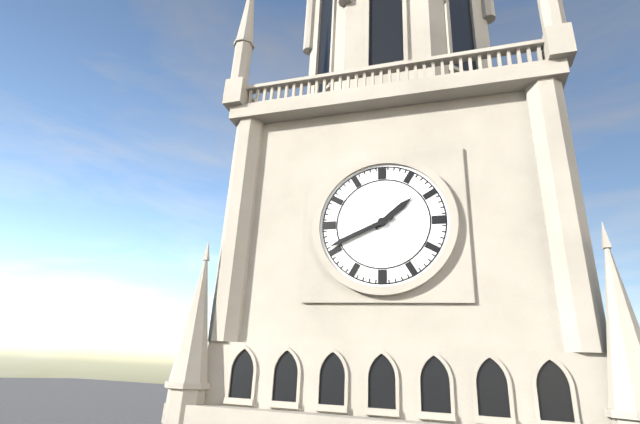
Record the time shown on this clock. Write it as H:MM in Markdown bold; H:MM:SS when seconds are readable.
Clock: **1:41**
